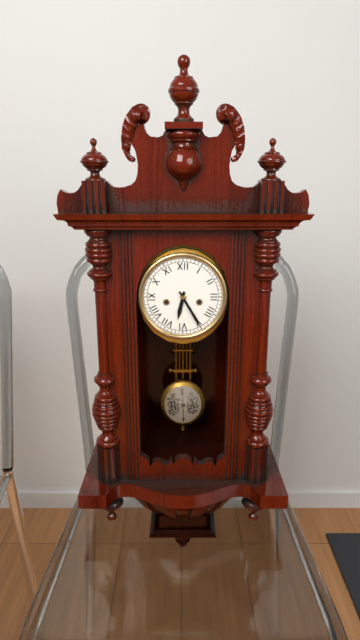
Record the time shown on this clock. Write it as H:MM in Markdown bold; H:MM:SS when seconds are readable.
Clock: **6:25**
